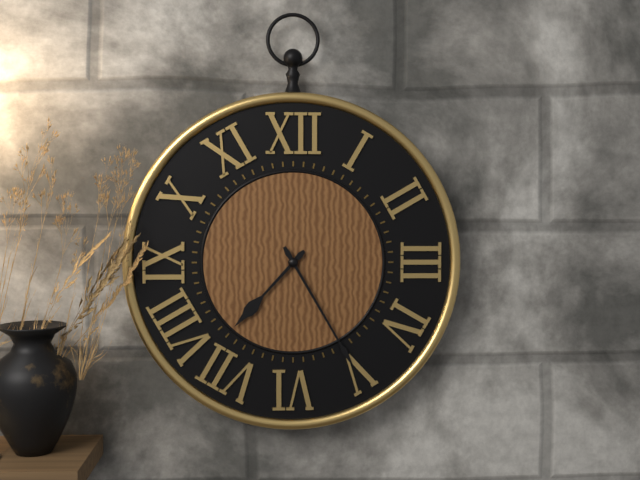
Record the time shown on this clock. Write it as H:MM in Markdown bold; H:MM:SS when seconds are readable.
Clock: **7:25**
